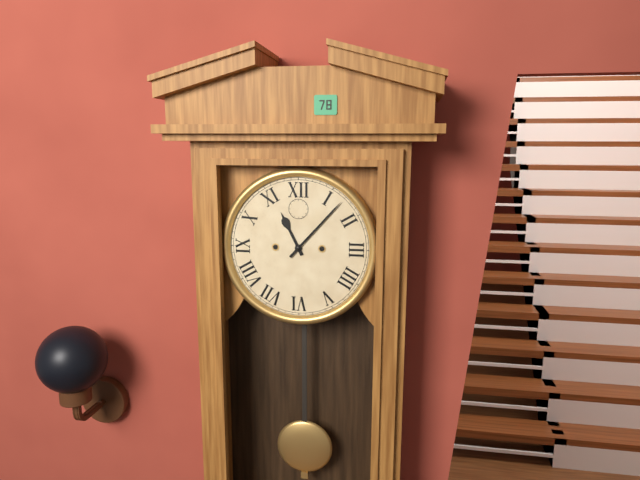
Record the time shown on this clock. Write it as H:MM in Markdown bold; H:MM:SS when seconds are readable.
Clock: **11:07**
